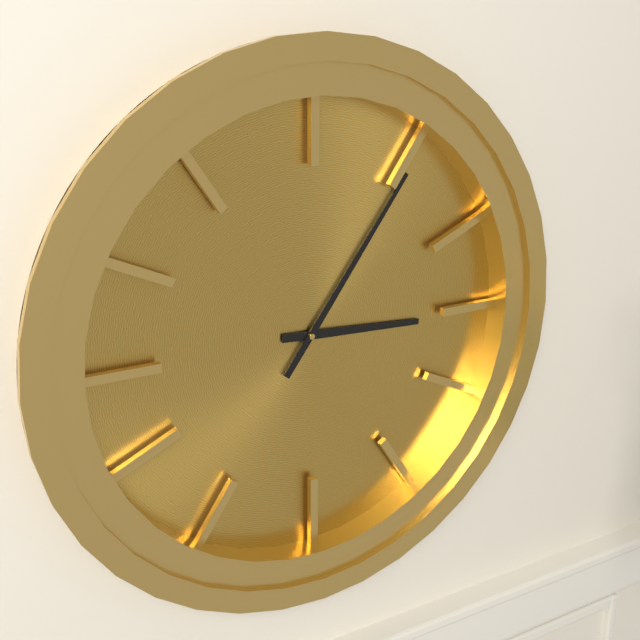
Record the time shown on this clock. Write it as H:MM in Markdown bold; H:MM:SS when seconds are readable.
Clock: **3:06**
